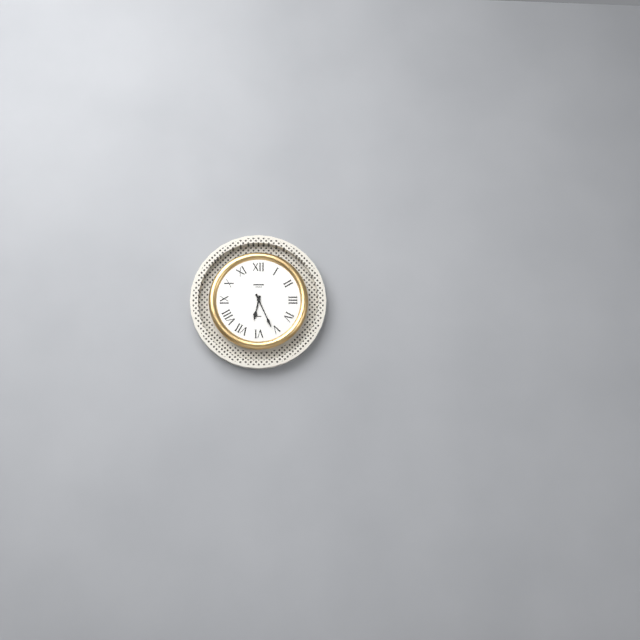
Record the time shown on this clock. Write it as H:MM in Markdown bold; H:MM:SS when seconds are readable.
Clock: **6:26**
